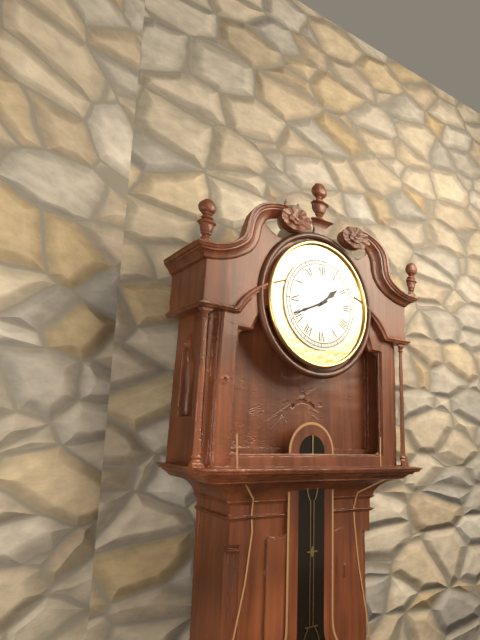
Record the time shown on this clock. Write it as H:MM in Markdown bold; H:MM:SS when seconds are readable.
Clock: **1:41**
